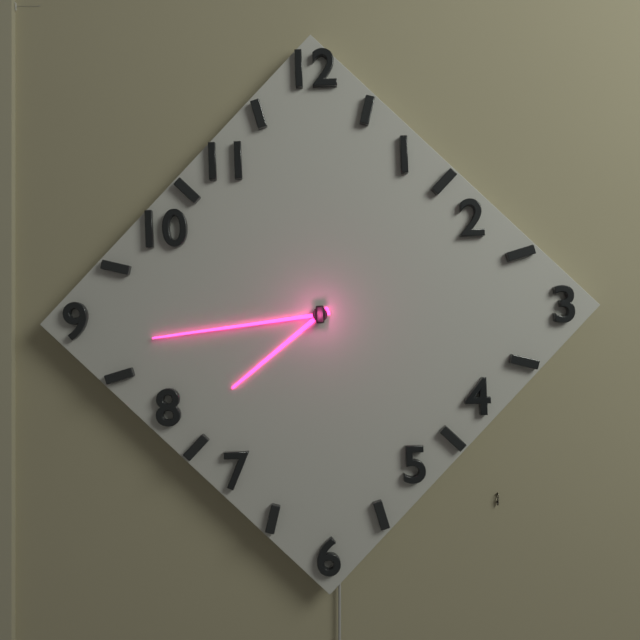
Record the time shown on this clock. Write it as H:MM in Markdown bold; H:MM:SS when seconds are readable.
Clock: **7:44**
